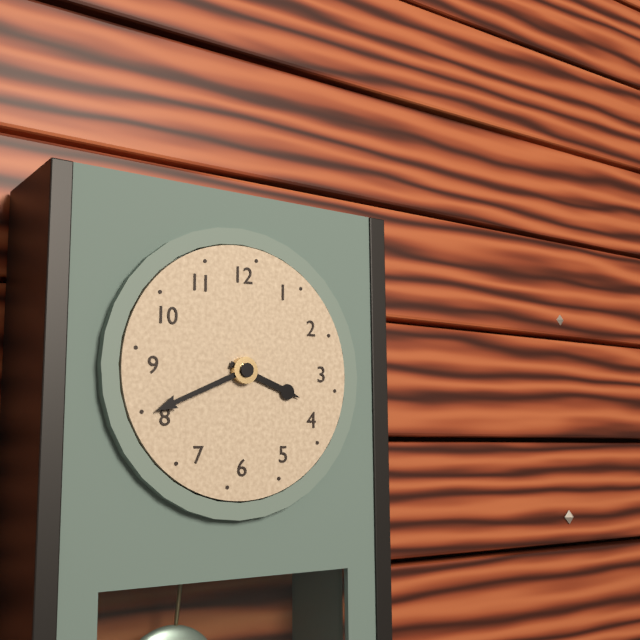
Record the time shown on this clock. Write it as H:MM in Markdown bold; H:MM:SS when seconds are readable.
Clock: **3:41**
